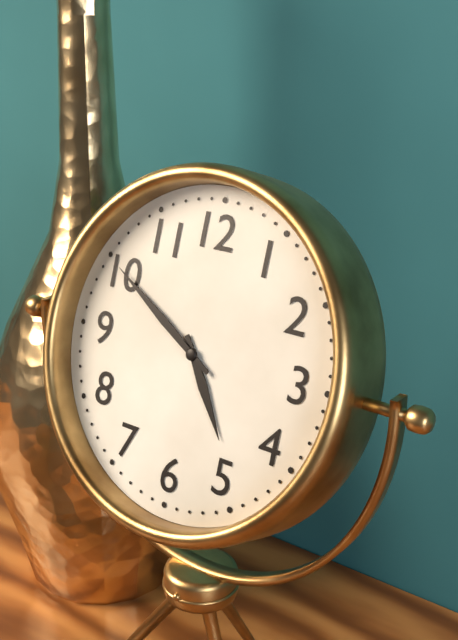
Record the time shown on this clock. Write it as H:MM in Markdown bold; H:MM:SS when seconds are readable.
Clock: **4:50**
